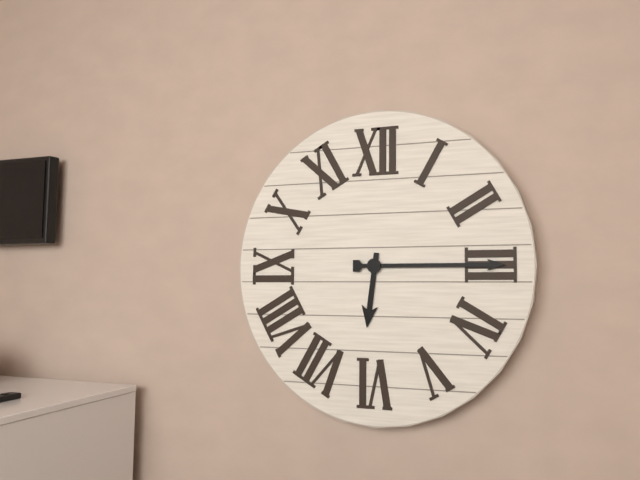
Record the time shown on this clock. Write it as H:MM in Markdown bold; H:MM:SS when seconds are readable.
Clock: **6:15**
